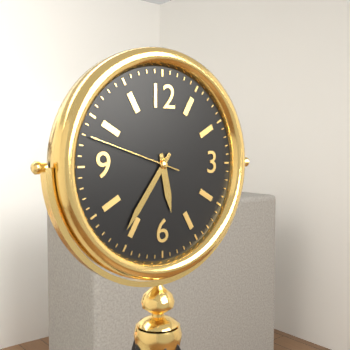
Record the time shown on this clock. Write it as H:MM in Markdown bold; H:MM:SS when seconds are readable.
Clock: **5:36:48**
